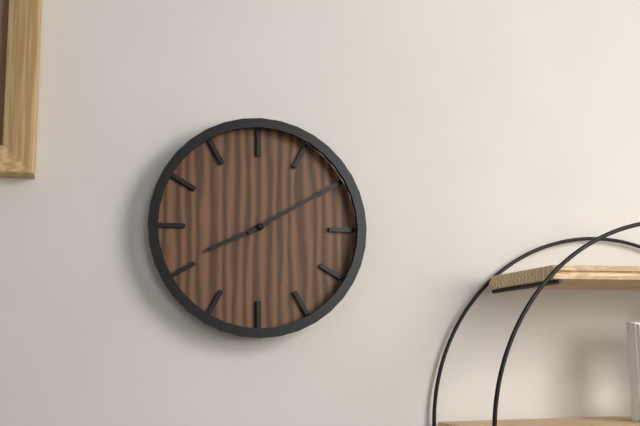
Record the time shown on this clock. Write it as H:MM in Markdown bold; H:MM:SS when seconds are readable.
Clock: **8:10**
